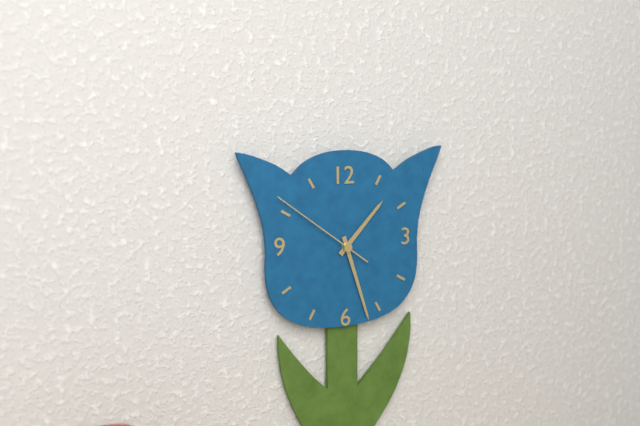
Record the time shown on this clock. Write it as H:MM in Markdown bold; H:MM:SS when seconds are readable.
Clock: **1:27:51**
